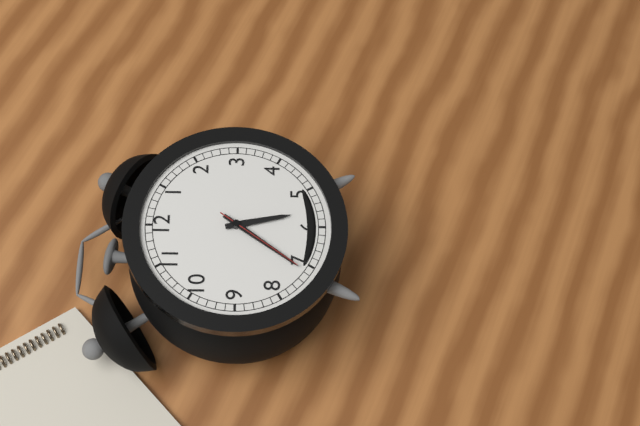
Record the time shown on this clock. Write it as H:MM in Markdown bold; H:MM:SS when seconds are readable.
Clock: **5:36:36**
